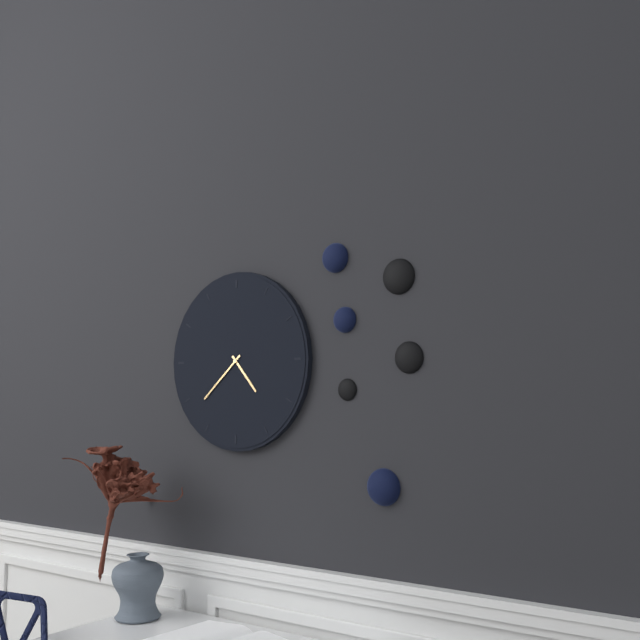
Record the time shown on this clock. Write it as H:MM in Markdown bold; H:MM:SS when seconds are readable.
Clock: **4:38**
